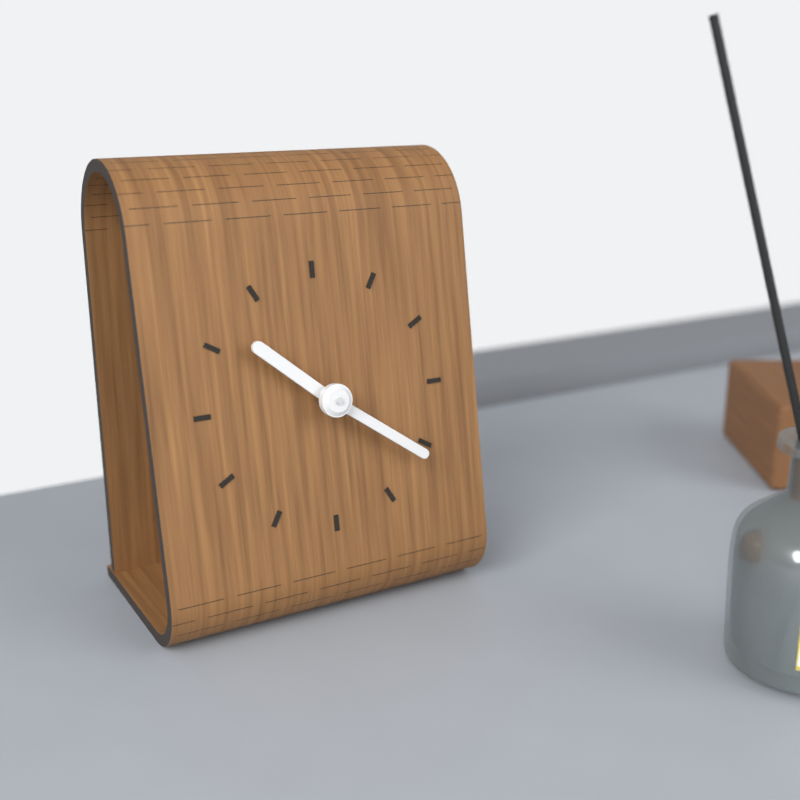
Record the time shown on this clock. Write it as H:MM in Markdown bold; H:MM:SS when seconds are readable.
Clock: **10:21**
